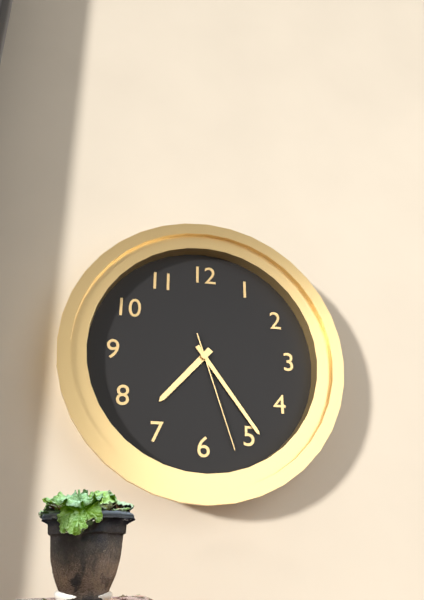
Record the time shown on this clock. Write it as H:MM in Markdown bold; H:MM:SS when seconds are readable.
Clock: **7:24:27**
